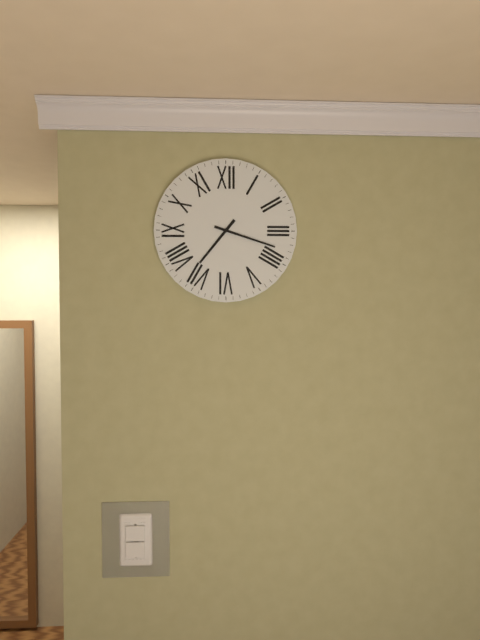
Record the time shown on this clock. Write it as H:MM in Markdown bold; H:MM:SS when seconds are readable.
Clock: **7:18**
